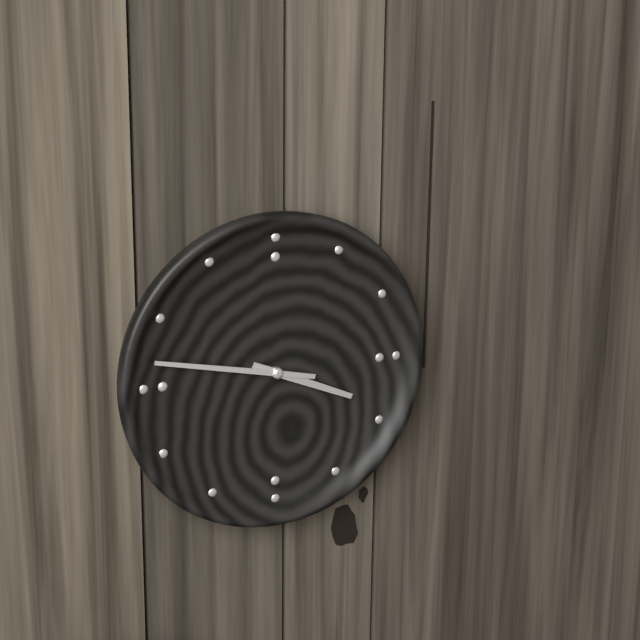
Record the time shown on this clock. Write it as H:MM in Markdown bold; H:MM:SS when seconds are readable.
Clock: **3:47**
